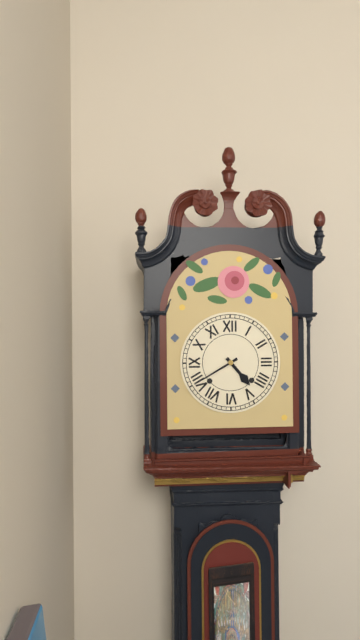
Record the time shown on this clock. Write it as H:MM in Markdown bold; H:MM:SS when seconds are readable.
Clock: **4:40**
